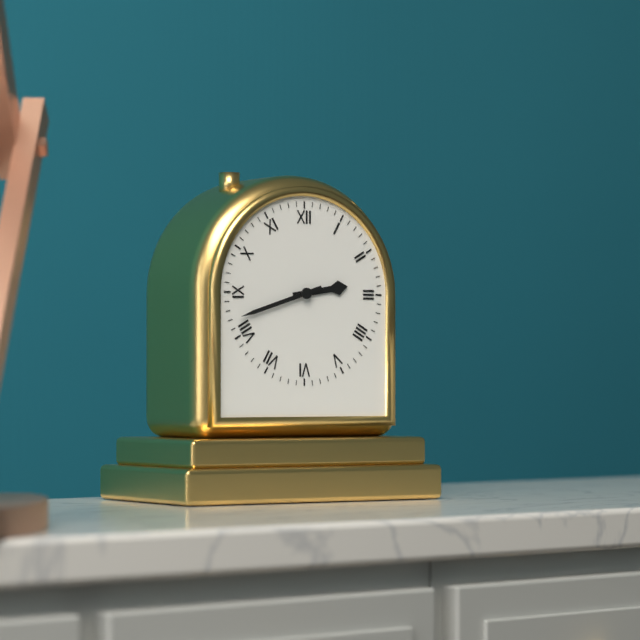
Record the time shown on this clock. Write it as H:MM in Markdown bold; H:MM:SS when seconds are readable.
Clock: **2:42**
